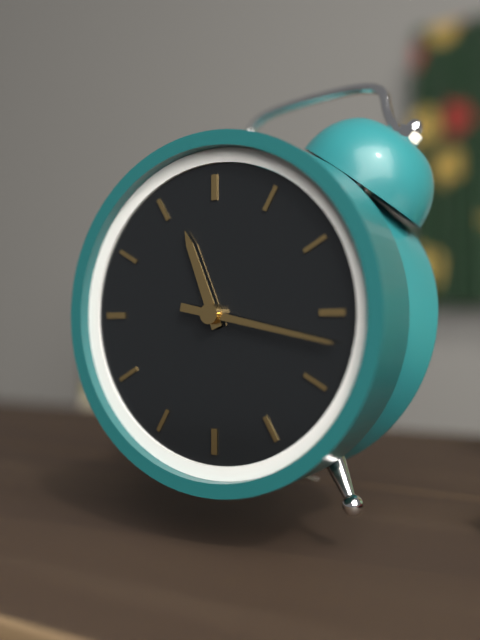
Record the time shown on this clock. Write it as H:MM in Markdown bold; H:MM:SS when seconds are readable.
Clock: **11:17**
